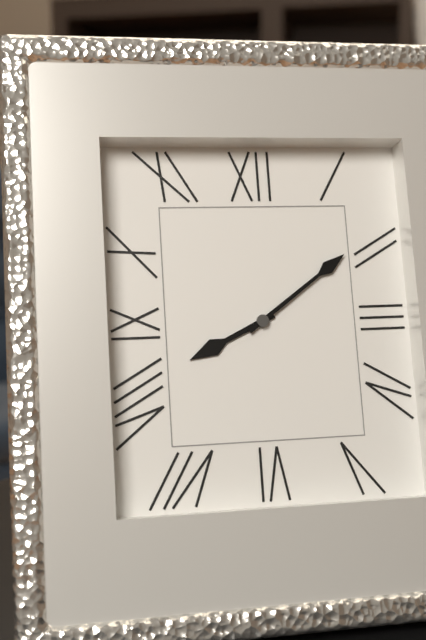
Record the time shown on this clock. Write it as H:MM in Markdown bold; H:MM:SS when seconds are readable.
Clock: **8:09**
